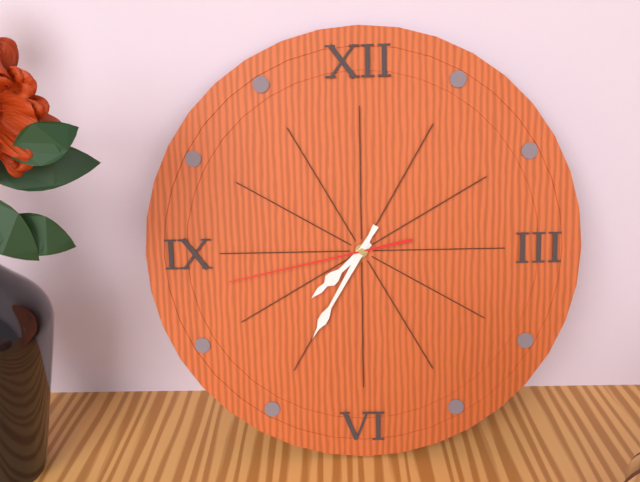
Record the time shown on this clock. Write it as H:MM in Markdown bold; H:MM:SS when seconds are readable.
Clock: **7:35:43**
